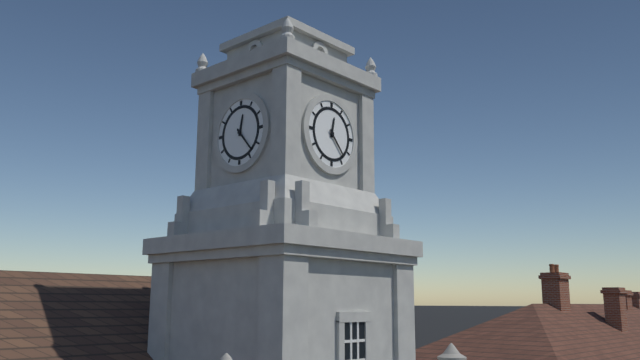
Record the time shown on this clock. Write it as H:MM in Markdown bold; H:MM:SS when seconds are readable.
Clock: **12:23**
